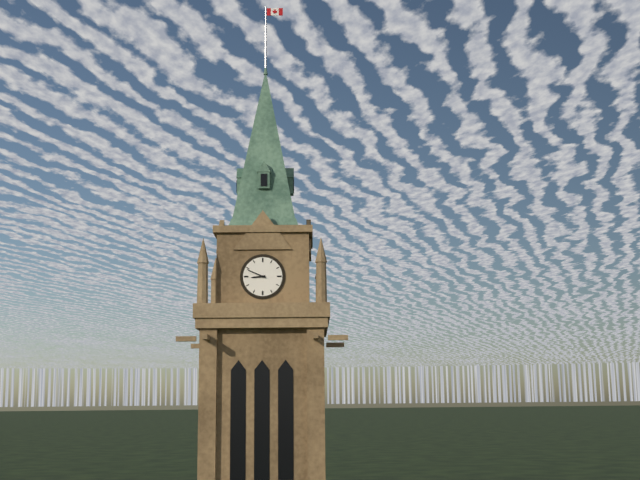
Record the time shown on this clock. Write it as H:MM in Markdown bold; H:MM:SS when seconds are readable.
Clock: **8:49**
